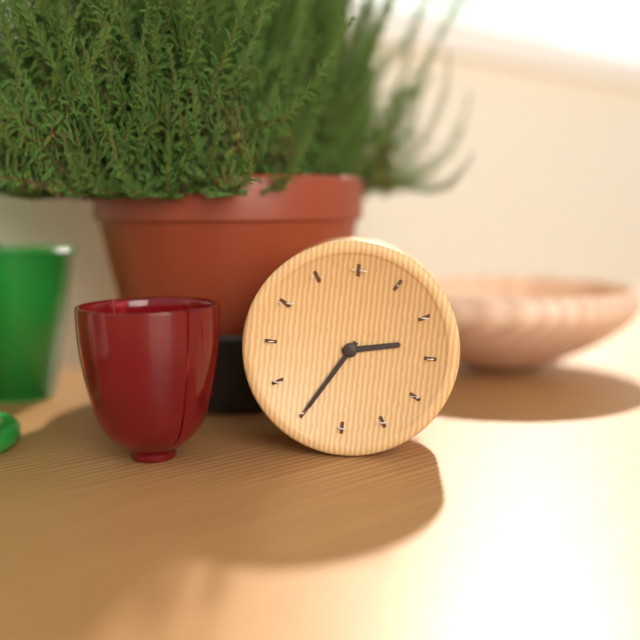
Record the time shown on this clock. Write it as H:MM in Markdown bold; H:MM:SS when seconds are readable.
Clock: **2:35**
